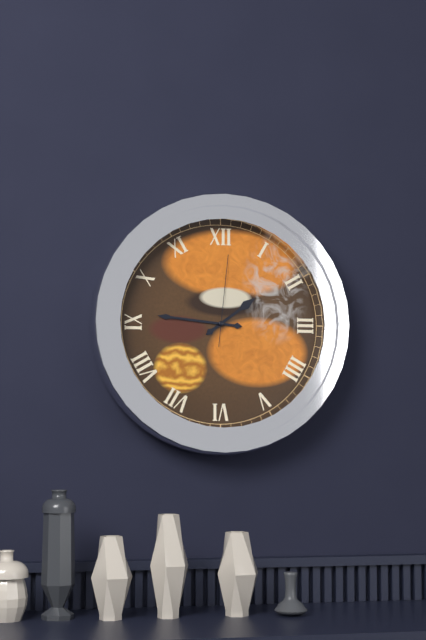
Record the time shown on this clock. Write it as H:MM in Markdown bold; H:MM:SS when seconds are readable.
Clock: **1:46:01**
